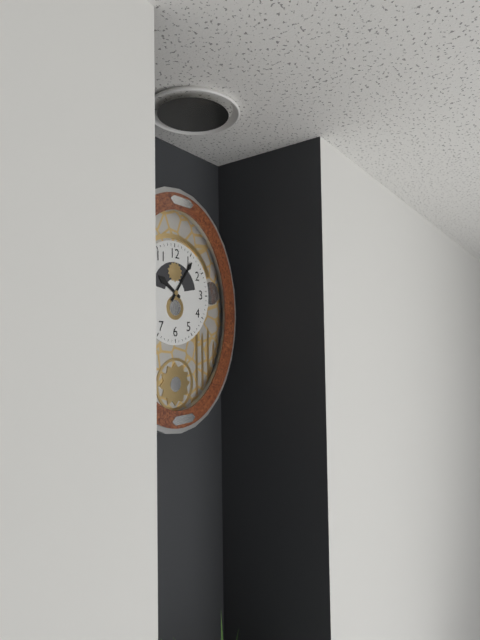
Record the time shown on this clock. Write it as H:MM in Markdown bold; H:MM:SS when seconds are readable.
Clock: **10:06**
